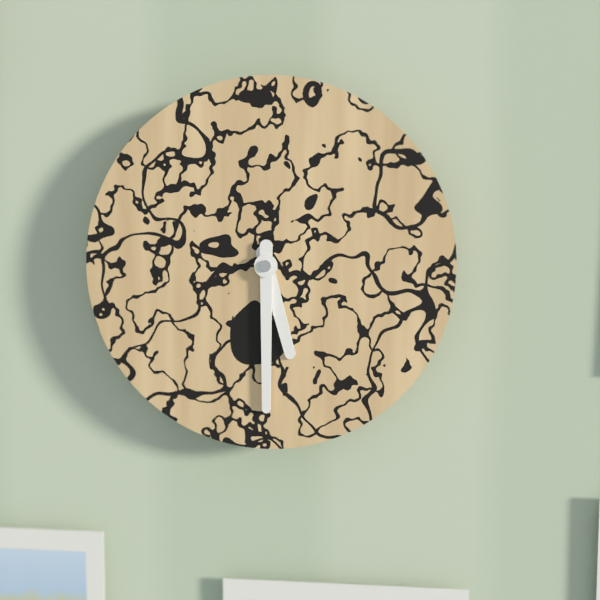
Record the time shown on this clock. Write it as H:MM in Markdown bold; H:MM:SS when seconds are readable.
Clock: **5:30**
